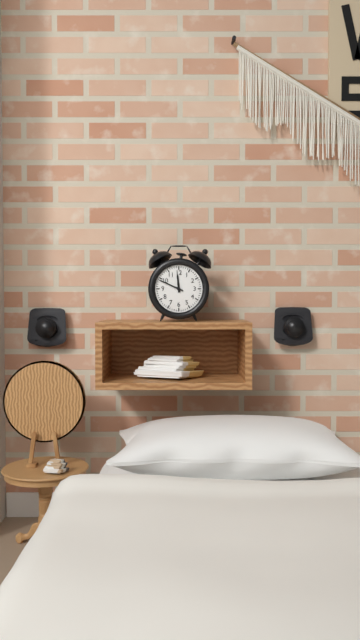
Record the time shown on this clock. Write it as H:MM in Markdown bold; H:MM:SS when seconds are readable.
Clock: **11:49**
